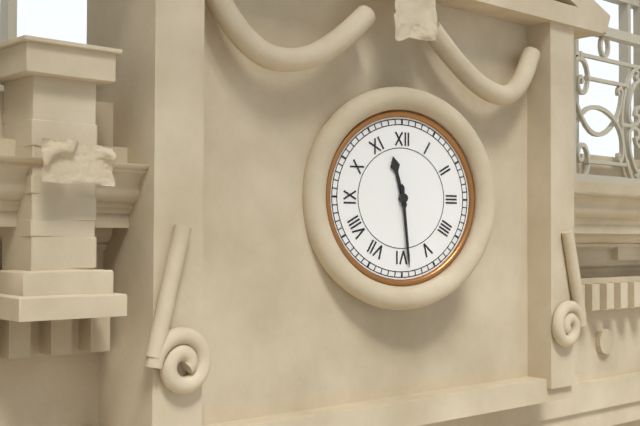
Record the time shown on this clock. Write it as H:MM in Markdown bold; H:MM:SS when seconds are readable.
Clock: **11:29**
